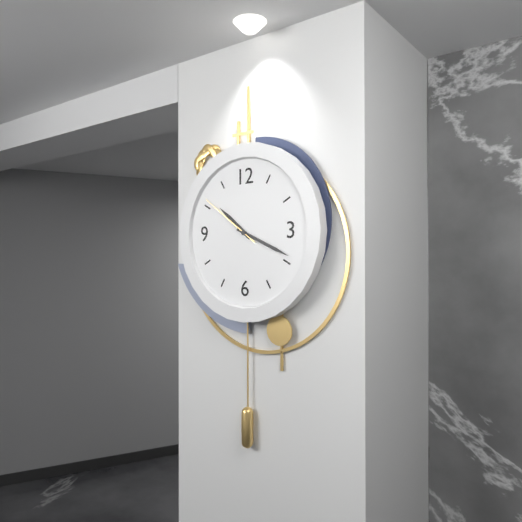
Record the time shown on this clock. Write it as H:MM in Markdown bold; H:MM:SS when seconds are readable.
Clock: **10:19:51**
